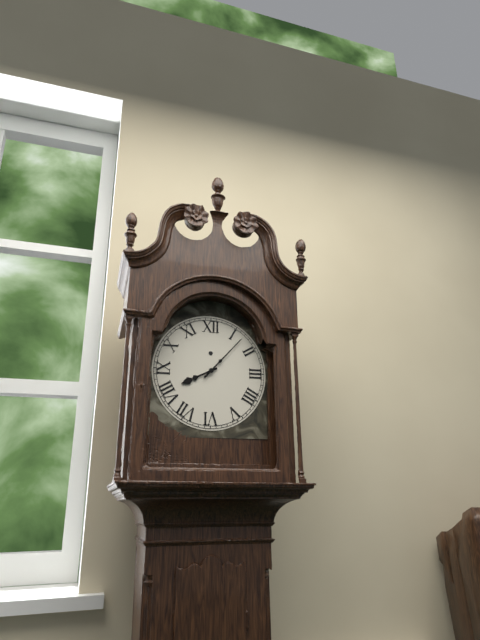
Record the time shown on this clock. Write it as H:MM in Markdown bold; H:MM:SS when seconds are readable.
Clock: **8:07**
